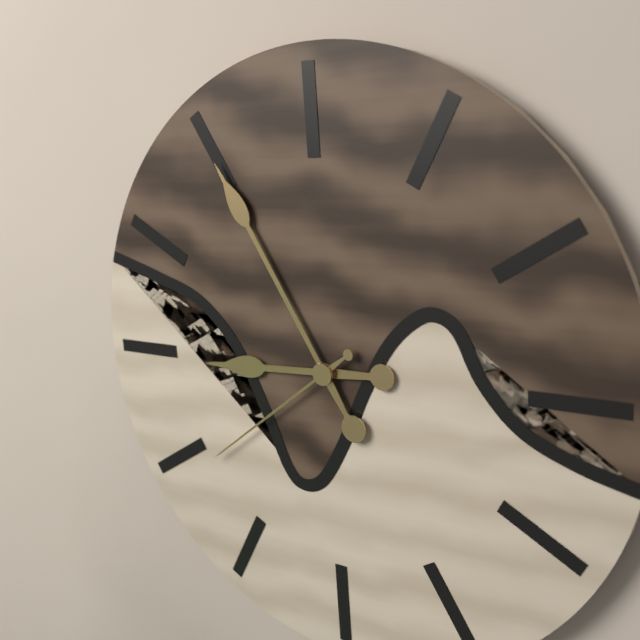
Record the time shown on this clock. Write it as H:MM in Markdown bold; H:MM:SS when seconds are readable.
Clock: **8:55:39**
